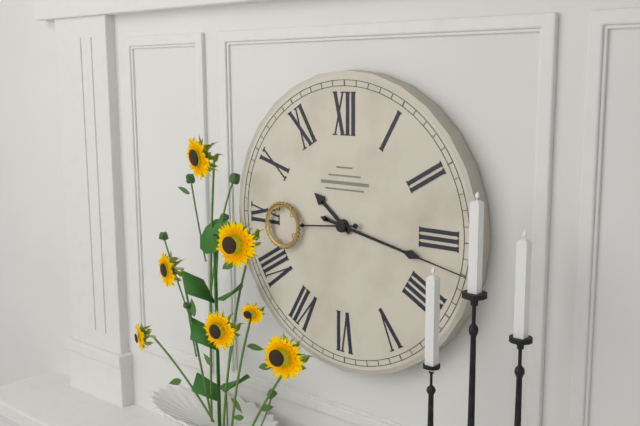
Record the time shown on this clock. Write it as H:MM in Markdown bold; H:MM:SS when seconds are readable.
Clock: **10:17:44**
